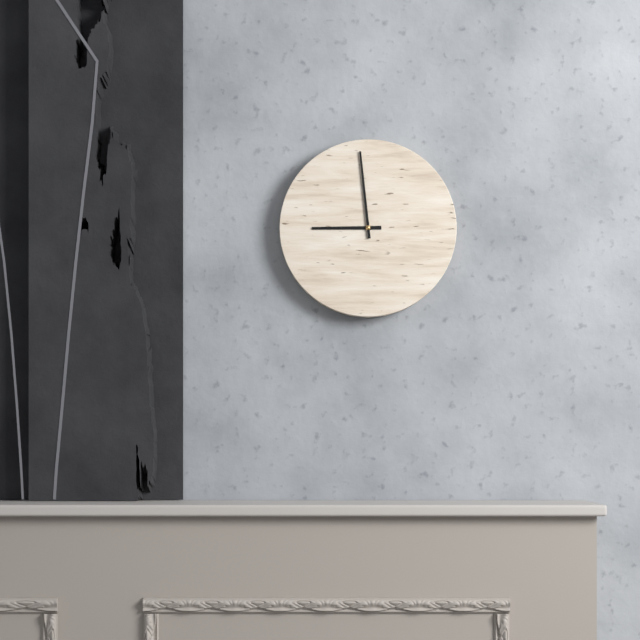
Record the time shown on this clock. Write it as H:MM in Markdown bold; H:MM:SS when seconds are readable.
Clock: **8:59**
